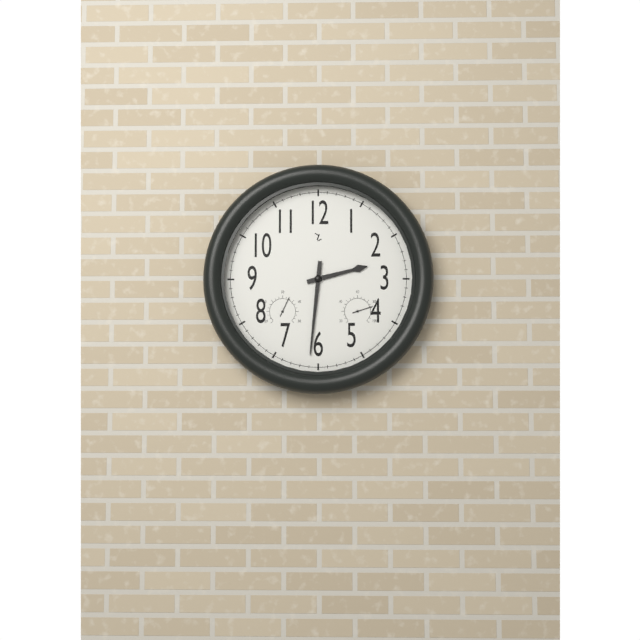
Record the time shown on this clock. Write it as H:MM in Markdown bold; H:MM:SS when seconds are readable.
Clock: **2:31**
